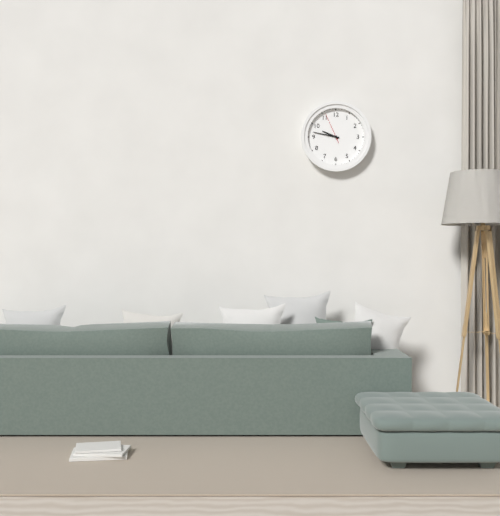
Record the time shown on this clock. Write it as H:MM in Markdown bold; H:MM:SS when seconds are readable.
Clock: **9:47**
